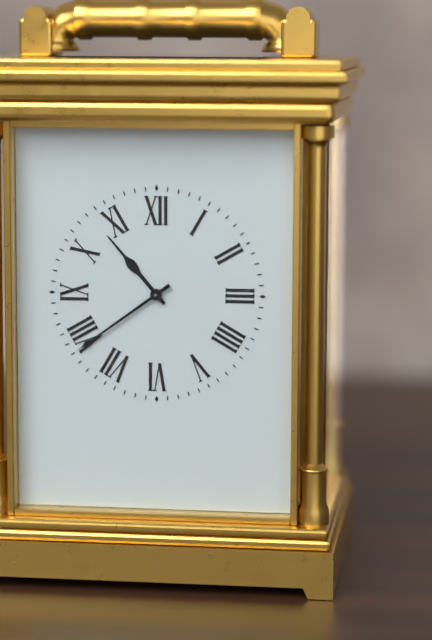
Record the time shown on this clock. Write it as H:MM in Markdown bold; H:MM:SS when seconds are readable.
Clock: **10:39**
